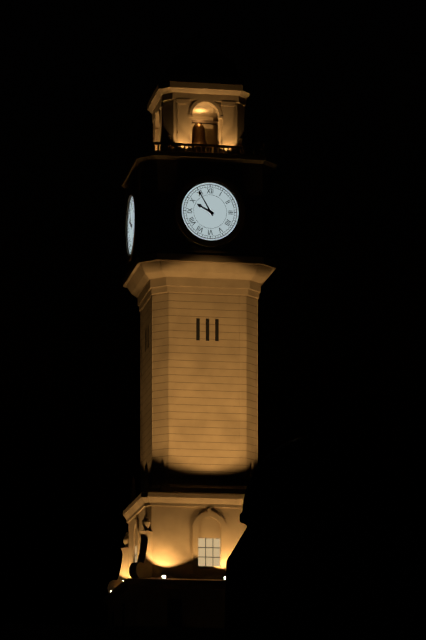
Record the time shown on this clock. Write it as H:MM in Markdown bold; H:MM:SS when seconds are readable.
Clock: **9:55**
